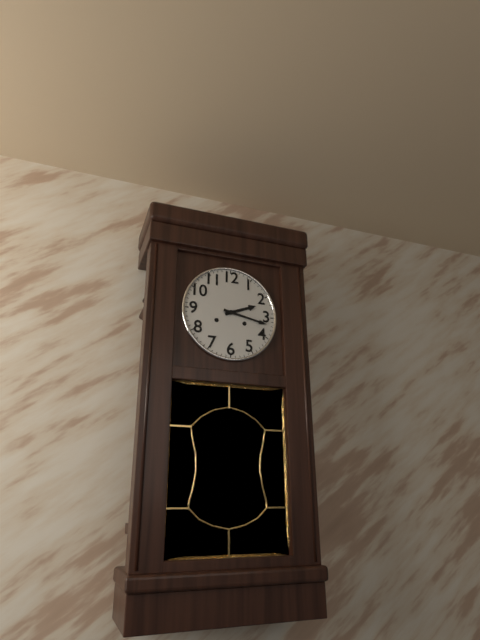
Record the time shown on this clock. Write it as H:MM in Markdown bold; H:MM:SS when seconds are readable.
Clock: **2:17**
